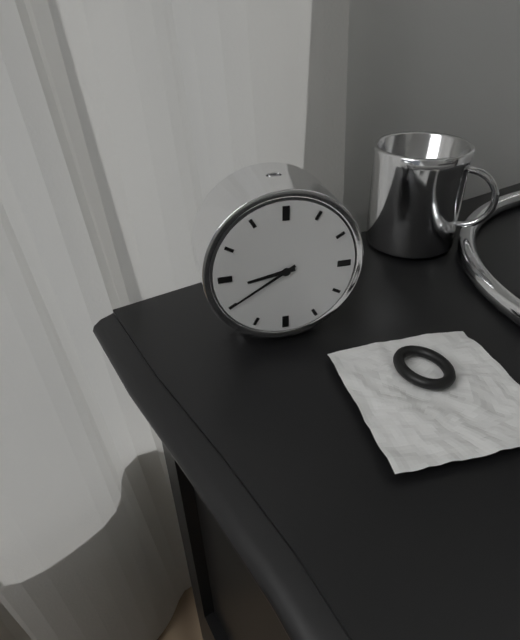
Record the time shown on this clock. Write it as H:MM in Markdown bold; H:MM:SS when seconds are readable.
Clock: **8:40**
